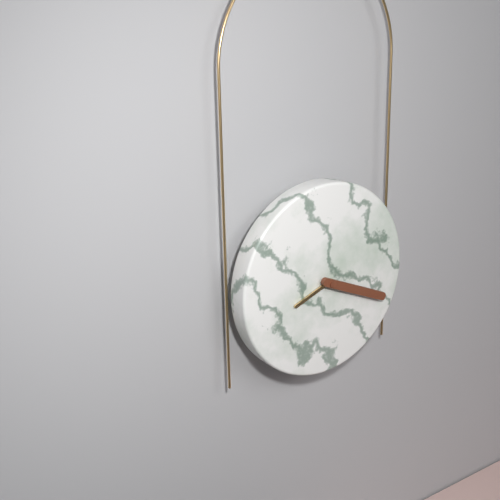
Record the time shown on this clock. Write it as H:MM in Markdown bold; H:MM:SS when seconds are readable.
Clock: **8:19**
